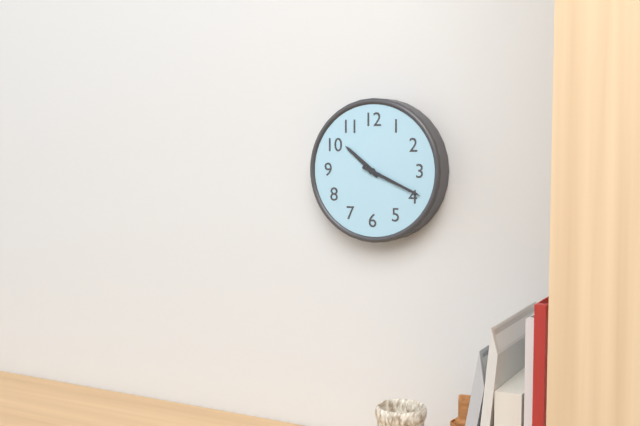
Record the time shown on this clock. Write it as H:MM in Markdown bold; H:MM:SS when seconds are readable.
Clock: **10:19**
